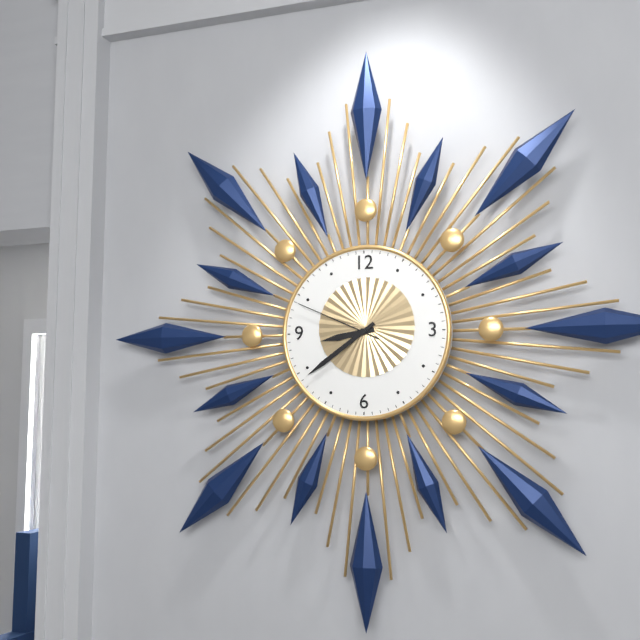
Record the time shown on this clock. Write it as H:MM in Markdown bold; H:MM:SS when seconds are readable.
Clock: **8:39:49**
